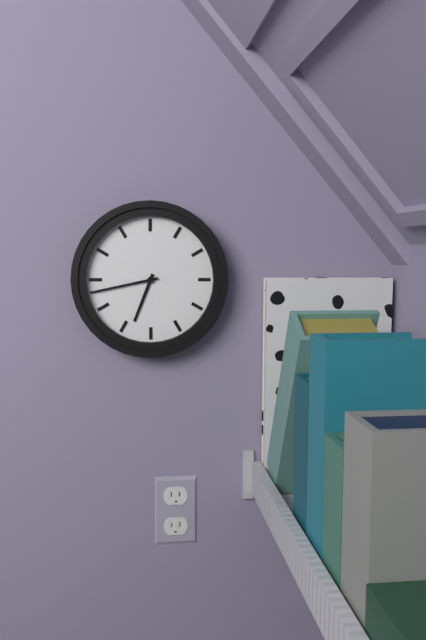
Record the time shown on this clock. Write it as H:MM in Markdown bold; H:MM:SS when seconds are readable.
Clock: **6:43**
